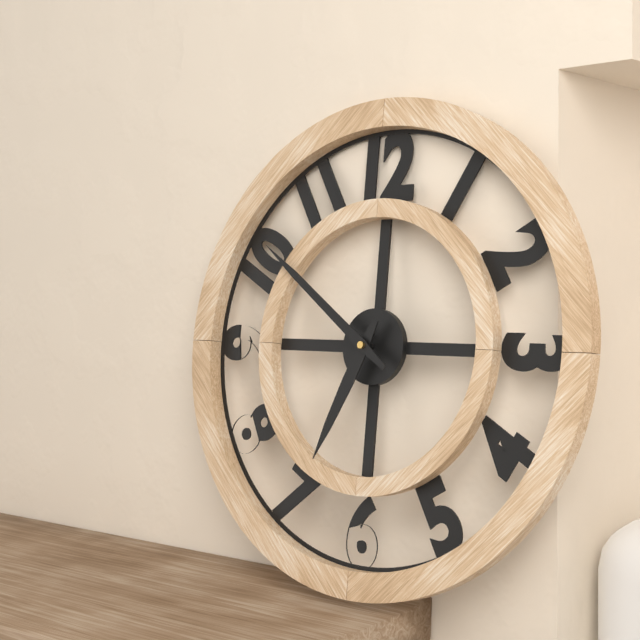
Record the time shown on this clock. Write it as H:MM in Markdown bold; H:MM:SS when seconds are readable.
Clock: **6:51**
